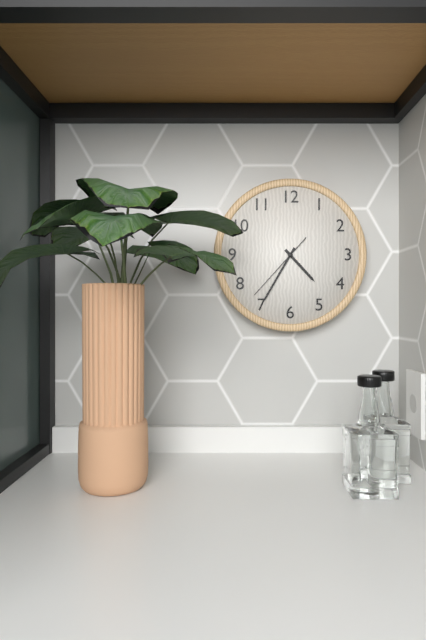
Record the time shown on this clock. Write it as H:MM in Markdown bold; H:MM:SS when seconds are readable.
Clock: **4:35:37**
